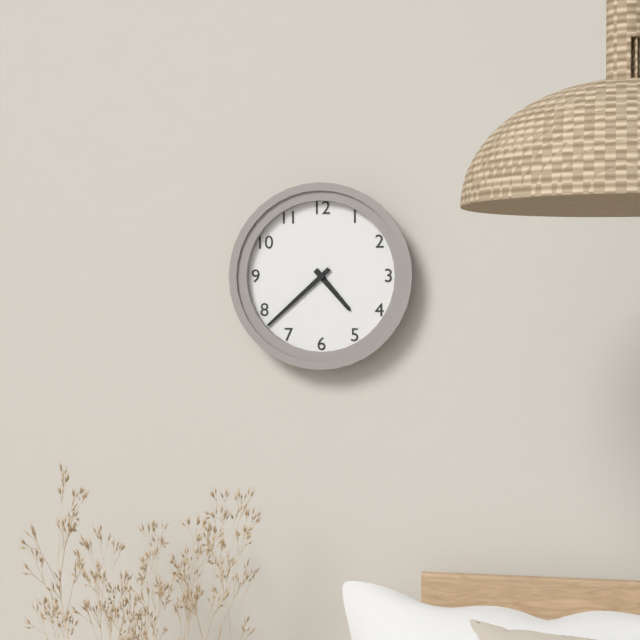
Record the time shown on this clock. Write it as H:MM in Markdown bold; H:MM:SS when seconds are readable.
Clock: **4:38**
